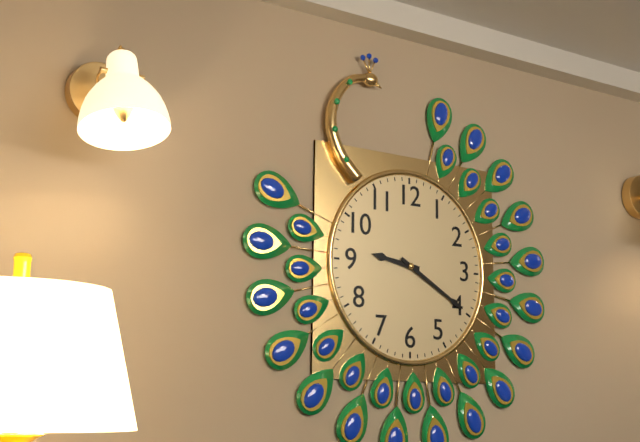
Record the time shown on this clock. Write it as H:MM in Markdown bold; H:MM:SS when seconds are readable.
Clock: **9:20**
